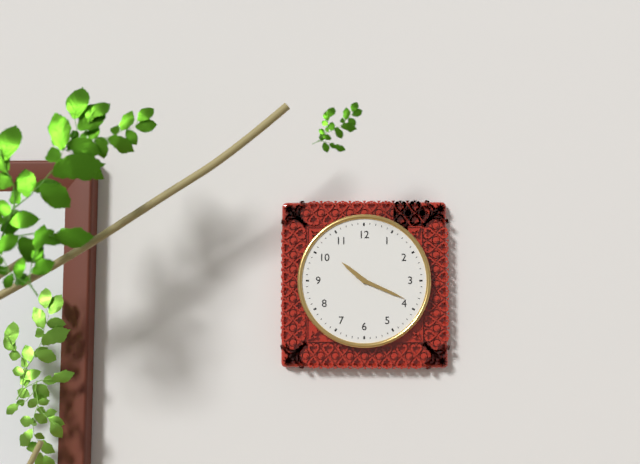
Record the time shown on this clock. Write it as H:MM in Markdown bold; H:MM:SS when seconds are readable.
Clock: **10:19**
